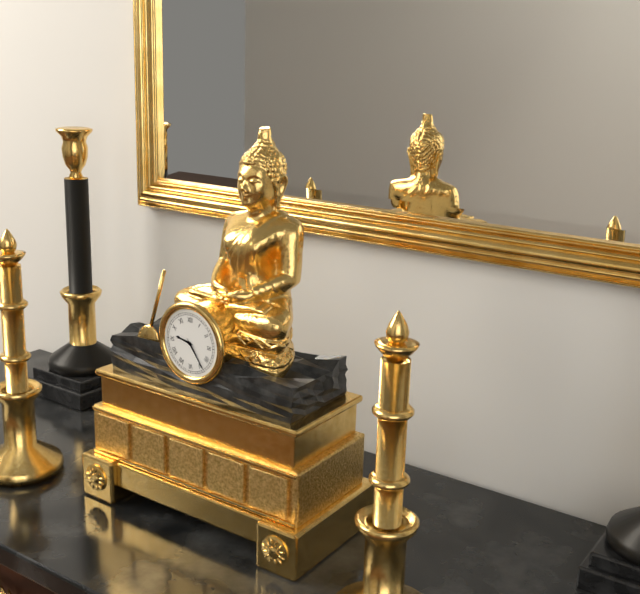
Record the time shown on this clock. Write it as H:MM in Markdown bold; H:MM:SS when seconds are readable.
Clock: **9:24**
